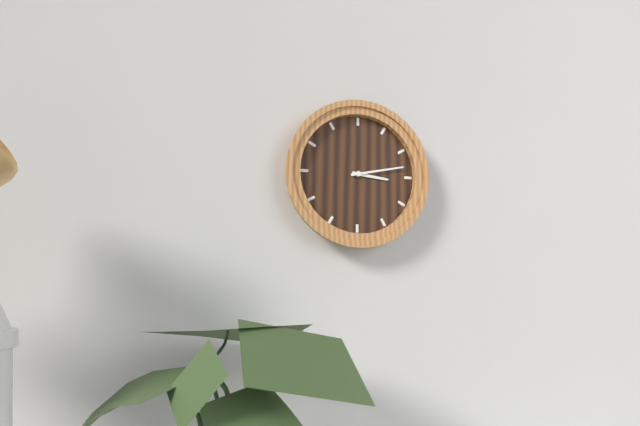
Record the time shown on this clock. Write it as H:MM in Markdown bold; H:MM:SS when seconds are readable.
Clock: **3:13**
